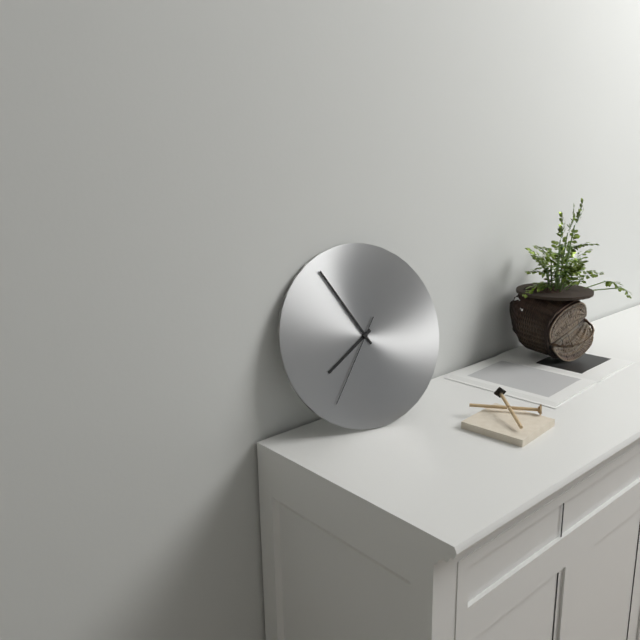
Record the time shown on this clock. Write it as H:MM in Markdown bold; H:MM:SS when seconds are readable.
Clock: **7:55:36**
